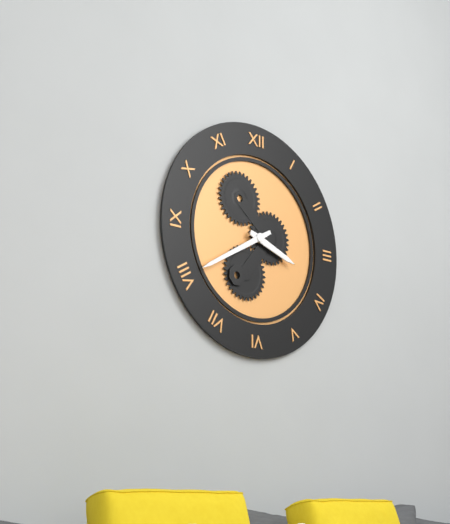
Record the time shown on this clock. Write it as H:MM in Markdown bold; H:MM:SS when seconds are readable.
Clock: **3:40**
